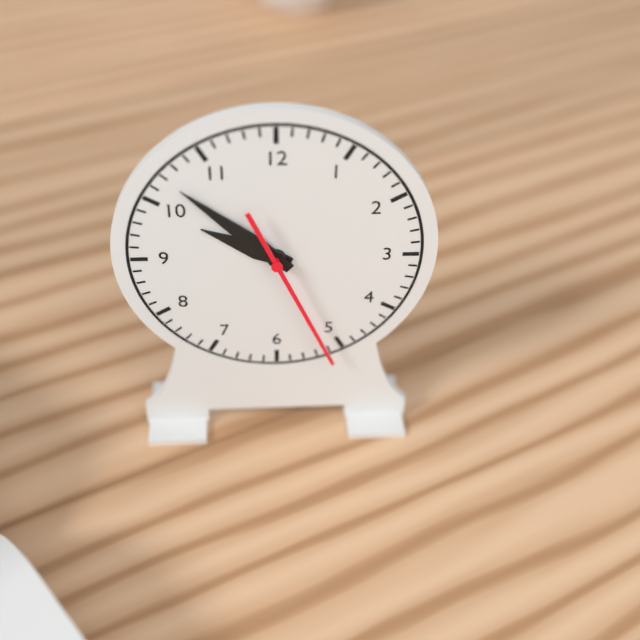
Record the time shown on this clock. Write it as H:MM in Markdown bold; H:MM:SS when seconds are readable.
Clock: **9:52:26**
